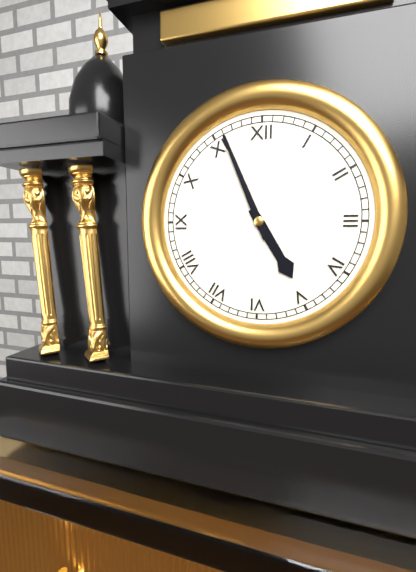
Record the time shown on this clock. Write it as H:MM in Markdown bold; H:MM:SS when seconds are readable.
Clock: **4:56**
